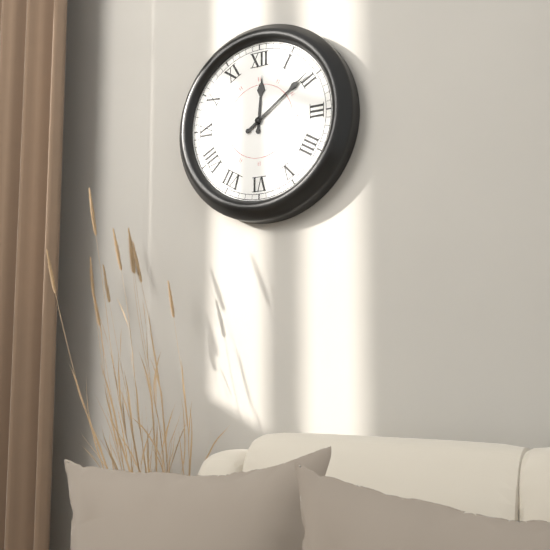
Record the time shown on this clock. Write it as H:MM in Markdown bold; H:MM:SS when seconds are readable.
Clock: **12:09**
